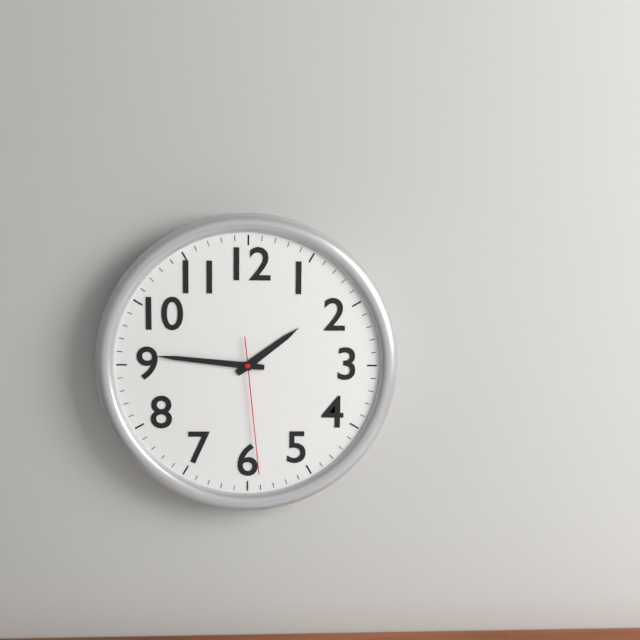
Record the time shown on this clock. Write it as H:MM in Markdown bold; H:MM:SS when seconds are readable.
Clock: **1:46:29**
